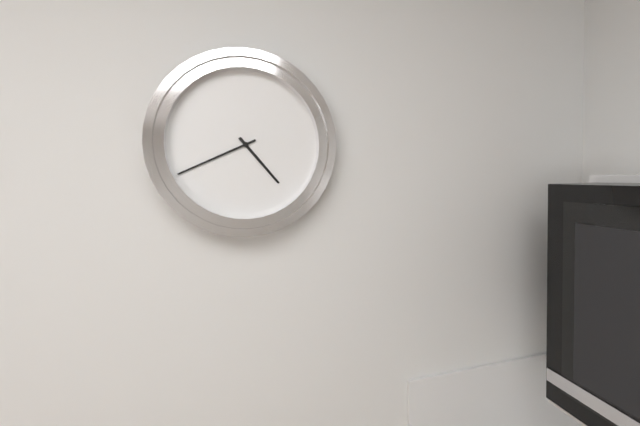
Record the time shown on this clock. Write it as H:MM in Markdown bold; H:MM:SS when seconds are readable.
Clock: **4:41**
